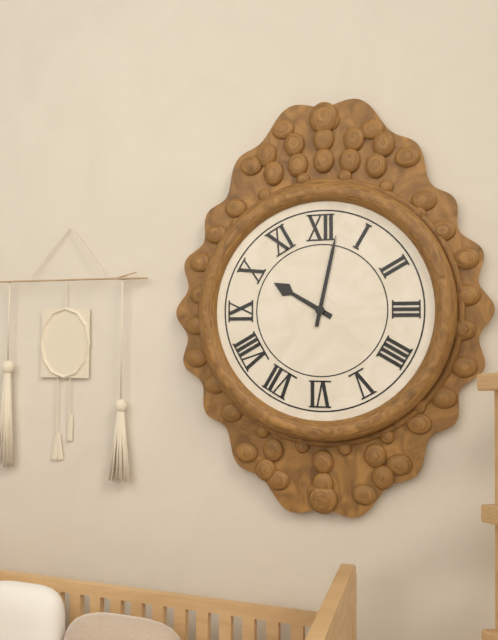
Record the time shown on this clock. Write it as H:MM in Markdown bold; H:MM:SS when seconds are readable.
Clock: **10:02**
